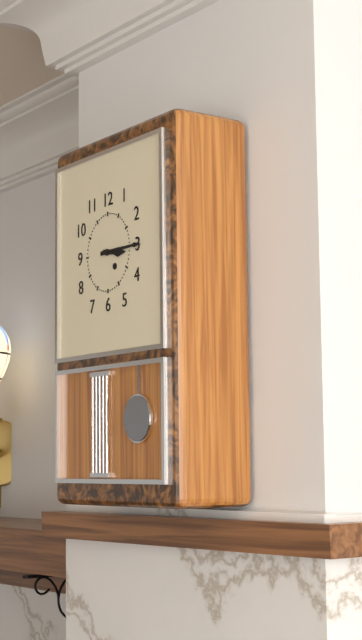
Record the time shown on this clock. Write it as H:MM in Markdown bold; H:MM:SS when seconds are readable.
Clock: **3:15**
